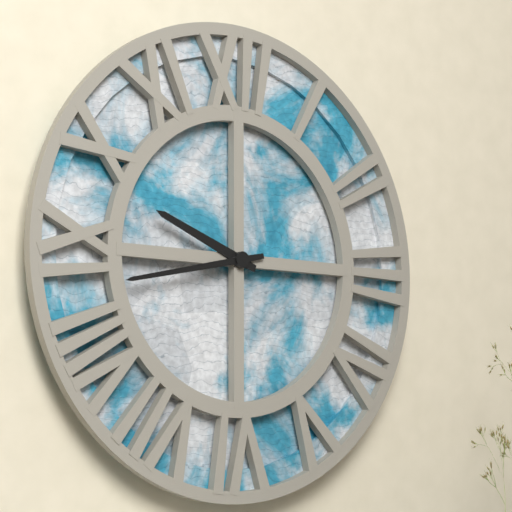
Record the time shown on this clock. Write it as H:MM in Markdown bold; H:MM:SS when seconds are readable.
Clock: **9:43**
